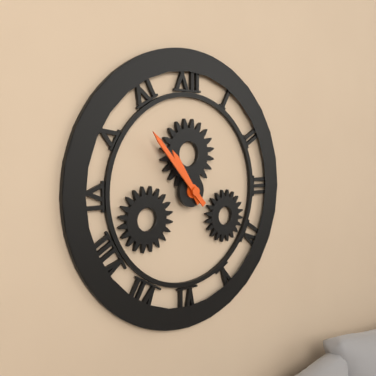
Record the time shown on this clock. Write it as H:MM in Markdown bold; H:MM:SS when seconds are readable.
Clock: **10:53**
